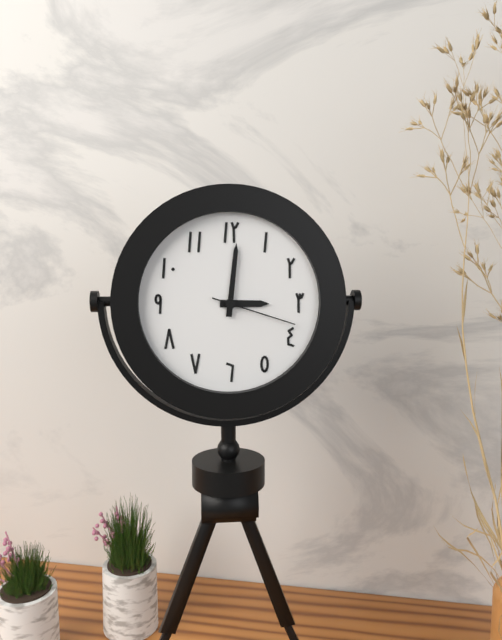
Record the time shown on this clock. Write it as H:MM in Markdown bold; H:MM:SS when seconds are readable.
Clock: **3:01:18**
